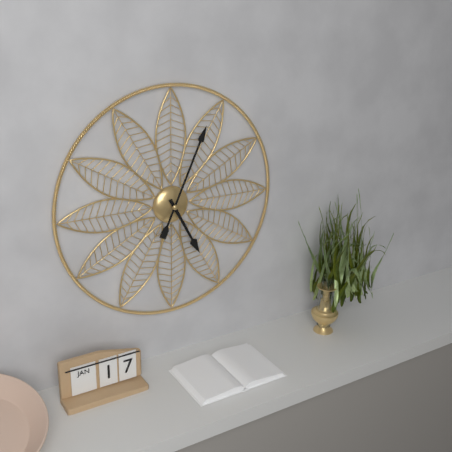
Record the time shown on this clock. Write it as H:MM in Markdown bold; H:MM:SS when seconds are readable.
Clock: **5:04**
